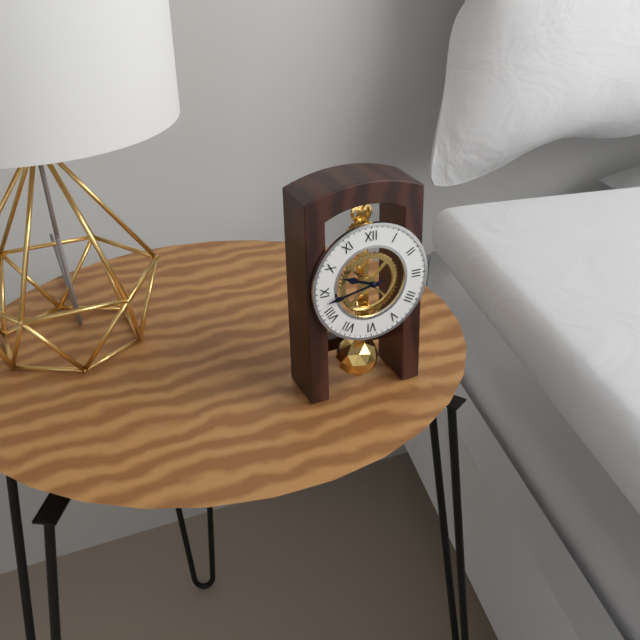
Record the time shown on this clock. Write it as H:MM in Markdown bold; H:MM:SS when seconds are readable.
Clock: **9:43**
